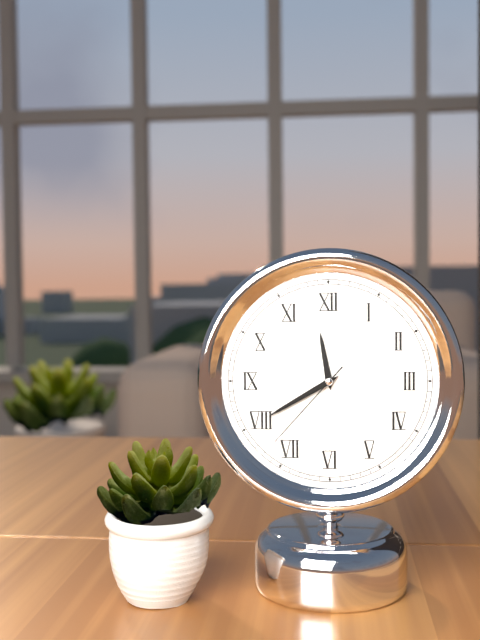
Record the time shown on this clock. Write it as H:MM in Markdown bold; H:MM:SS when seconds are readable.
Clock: **11:40:37**
